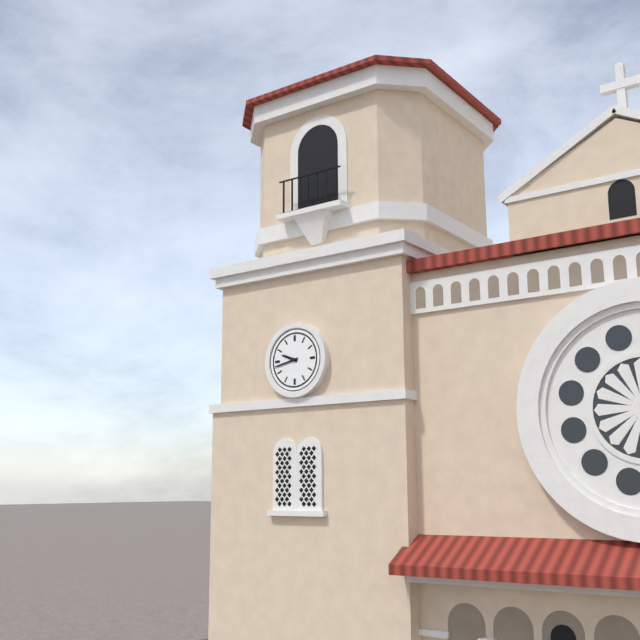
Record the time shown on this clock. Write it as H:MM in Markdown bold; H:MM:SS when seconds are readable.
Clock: **9:43**
